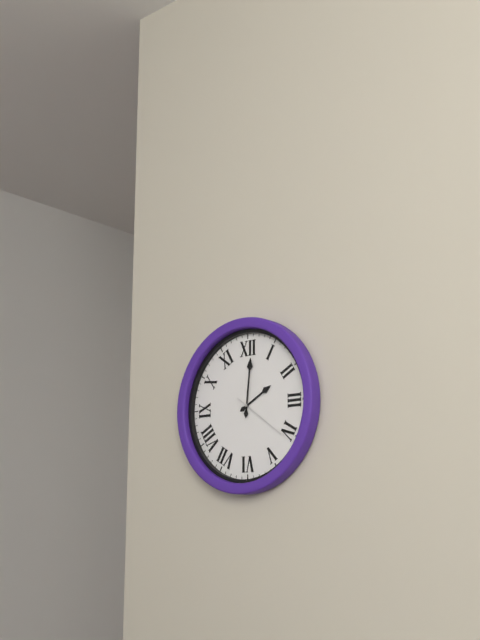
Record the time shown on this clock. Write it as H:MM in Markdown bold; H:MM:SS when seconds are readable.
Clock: **2:01:21**
